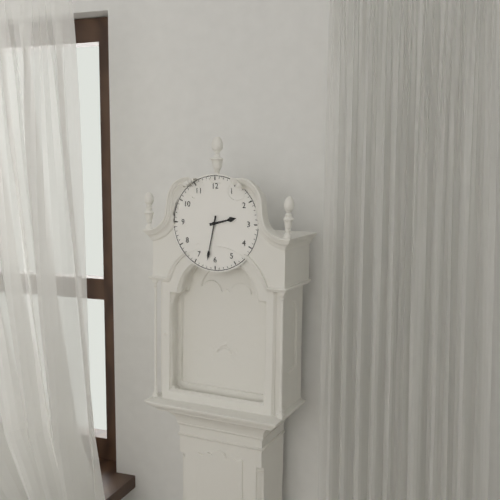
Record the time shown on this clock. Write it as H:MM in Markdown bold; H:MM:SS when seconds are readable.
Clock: **2:32**
